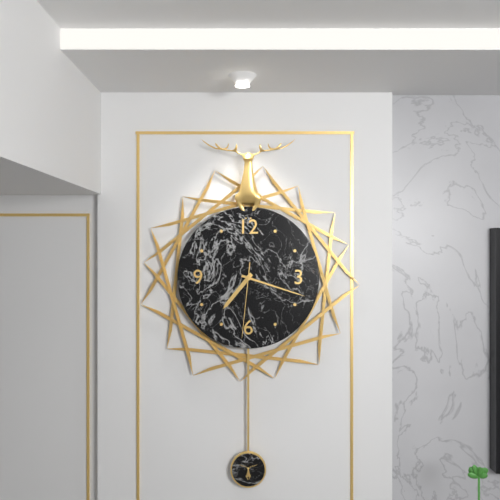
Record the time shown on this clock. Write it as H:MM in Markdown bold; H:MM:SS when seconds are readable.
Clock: **7:18:31**
